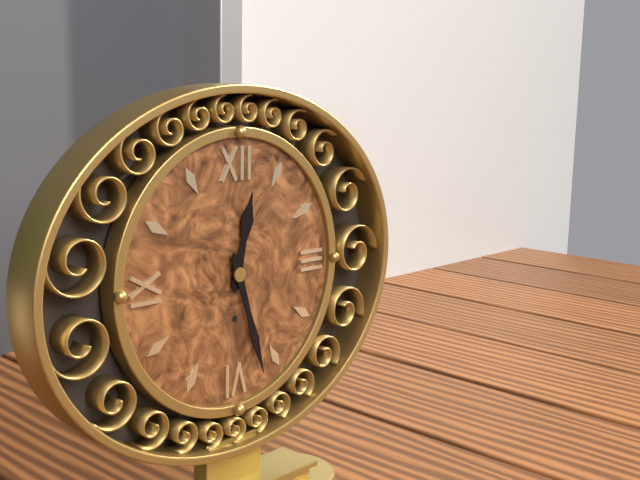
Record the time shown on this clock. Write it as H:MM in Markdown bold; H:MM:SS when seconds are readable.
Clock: **12:27**
